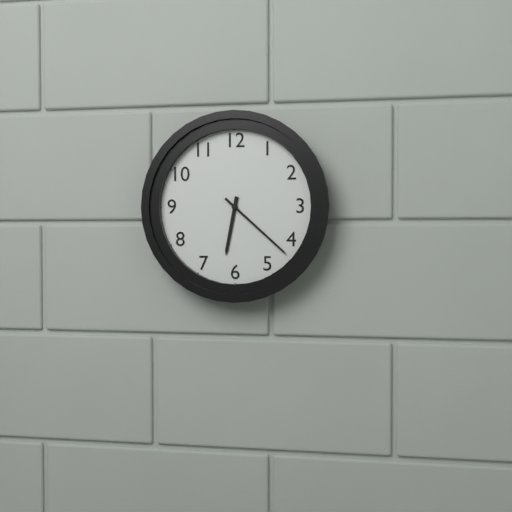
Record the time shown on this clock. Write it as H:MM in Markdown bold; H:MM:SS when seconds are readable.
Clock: **6:22**
